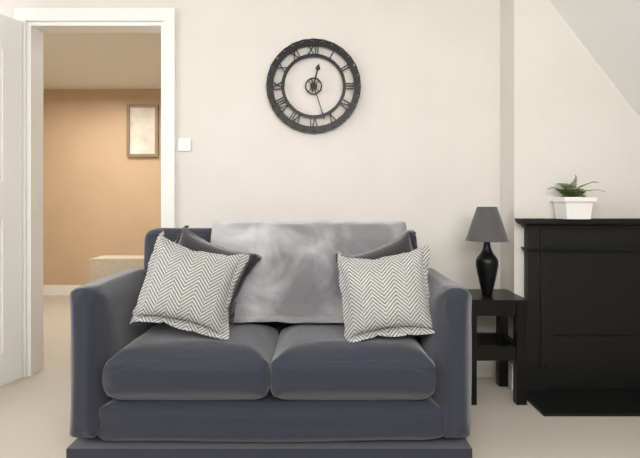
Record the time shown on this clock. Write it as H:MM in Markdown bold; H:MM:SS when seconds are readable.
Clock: **12:27**
